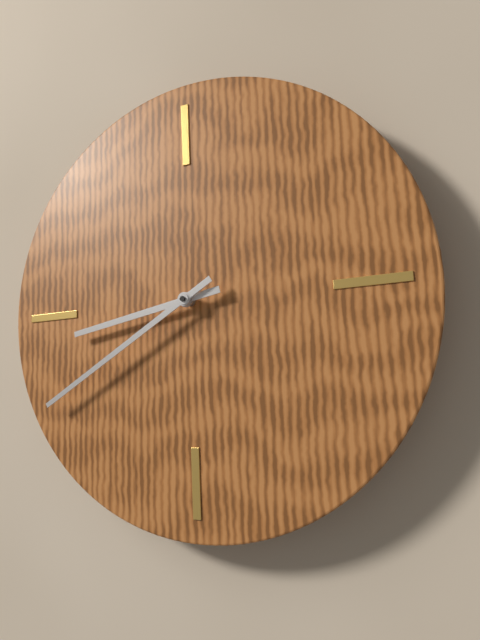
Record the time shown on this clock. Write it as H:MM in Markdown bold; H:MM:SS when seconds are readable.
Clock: **8:40**
